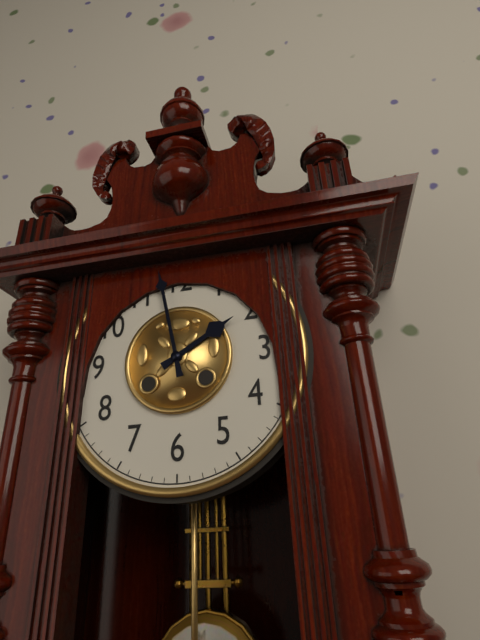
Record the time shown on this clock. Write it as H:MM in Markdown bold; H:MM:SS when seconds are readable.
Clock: **1:58**
